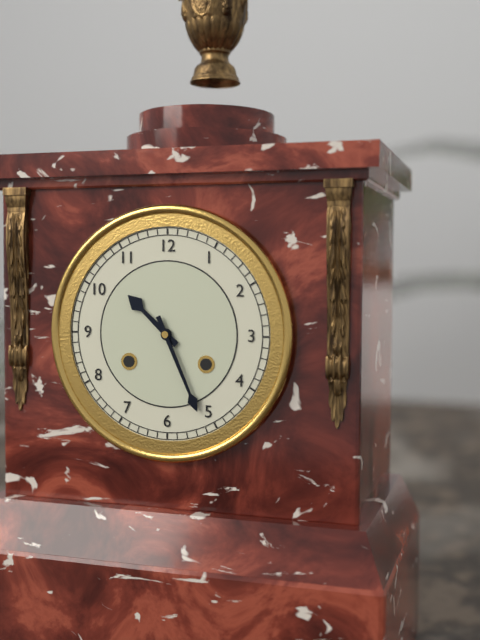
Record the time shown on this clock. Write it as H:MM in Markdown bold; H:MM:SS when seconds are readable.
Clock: **10:26**
